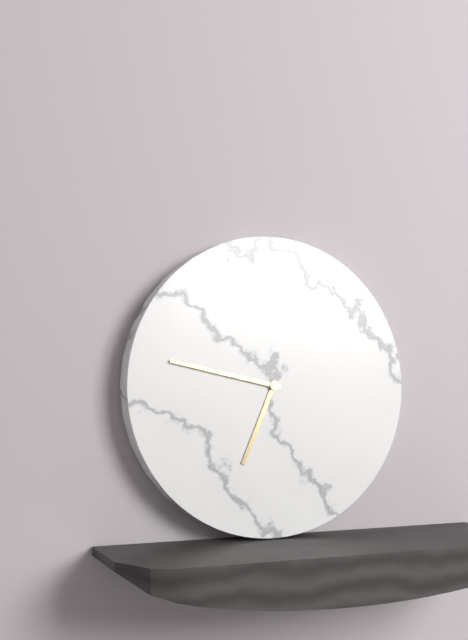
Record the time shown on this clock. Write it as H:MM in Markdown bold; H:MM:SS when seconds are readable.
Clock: **6:47**
